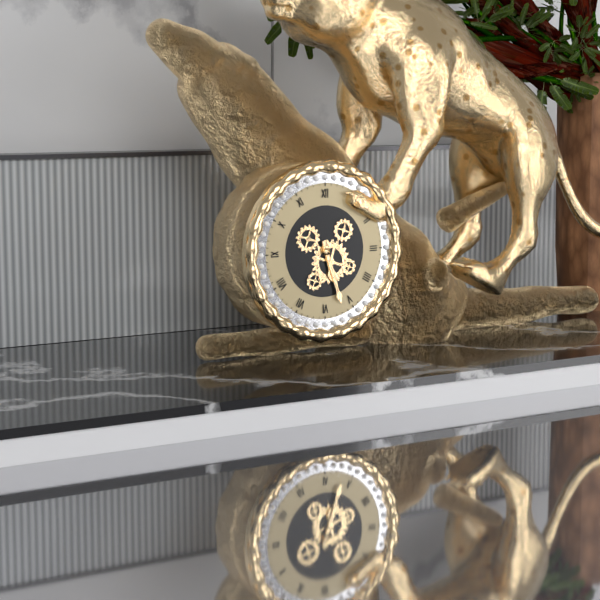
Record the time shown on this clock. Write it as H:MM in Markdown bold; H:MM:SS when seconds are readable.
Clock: **5:27**
